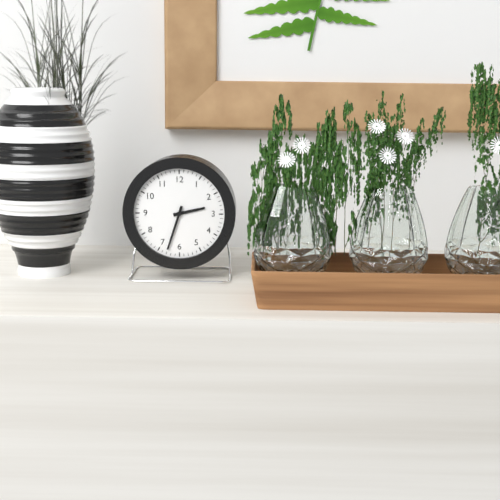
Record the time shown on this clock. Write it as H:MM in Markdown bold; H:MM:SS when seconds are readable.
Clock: **2:33**
